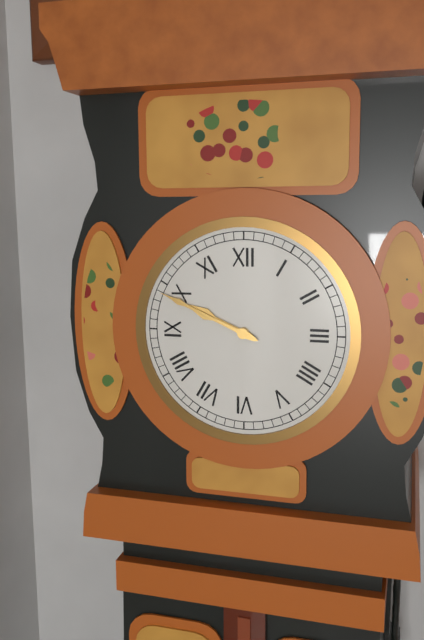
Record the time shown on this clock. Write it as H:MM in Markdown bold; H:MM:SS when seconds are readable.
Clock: **9:49**
